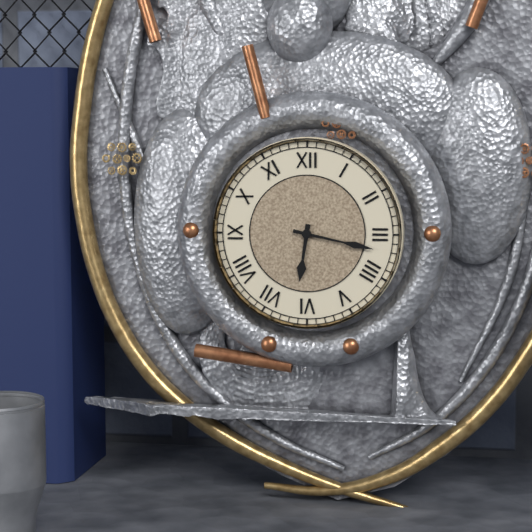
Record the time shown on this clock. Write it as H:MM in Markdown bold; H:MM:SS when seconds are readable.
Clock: **6:17**
